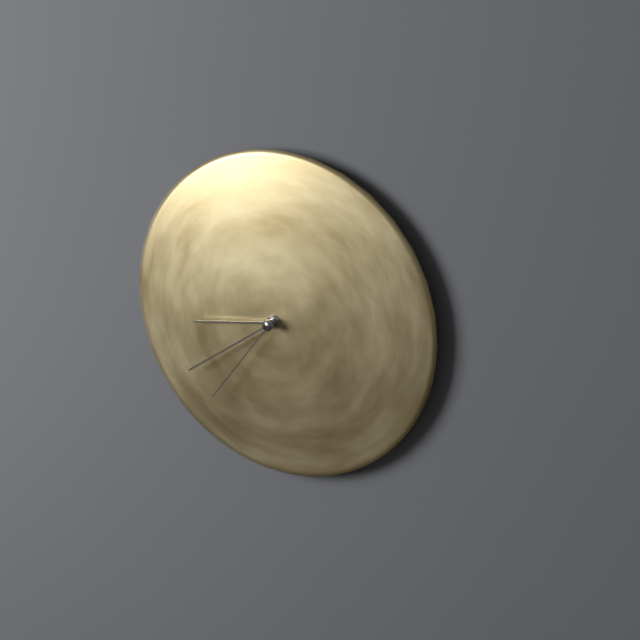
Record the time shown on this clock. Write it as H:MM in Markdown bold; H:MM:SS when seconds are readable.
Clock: **8:39:36**
